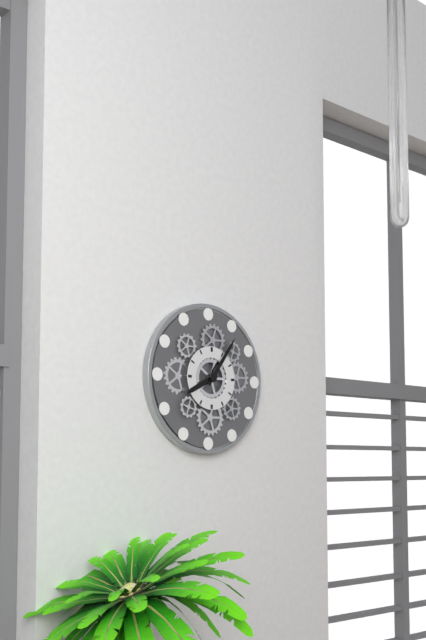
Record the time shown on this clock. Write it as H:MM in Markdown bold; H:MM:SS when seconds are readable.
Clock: **8:06**
